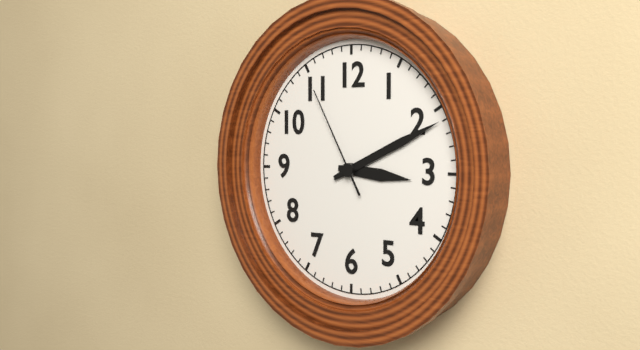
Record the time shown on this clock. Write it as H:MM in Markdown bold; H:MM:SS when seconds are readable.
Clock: **3:11:55**
